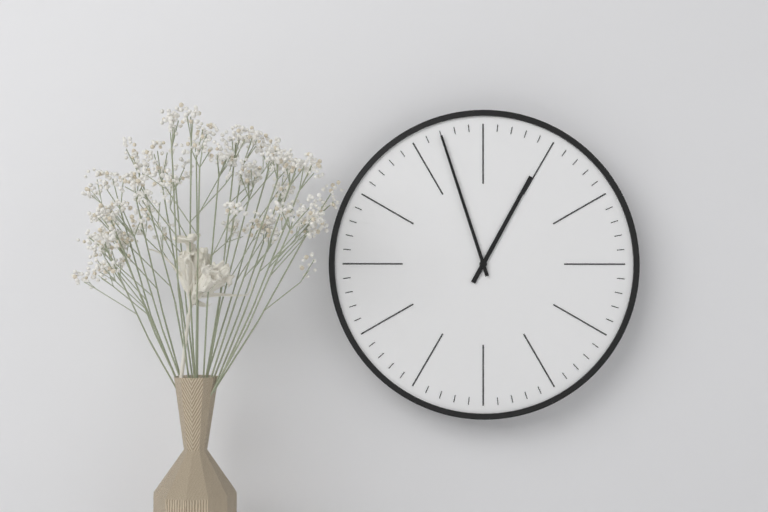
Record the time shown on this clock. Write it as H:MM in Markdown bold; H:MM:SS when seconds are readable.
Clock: **12:57**
